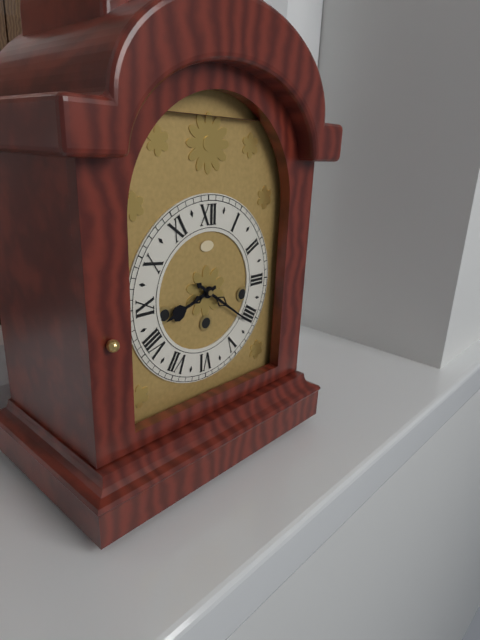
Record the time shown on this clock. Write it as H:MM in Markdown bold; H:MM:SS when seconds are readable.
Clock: **8:21**
